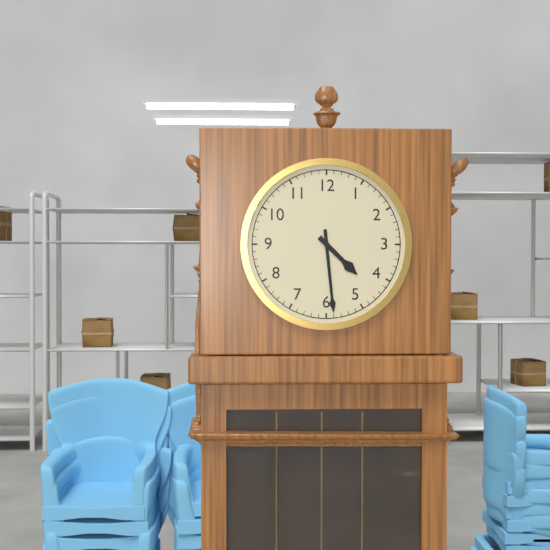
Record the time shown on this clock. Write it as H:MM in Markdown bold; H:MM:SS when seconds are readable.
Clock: **4:29**
